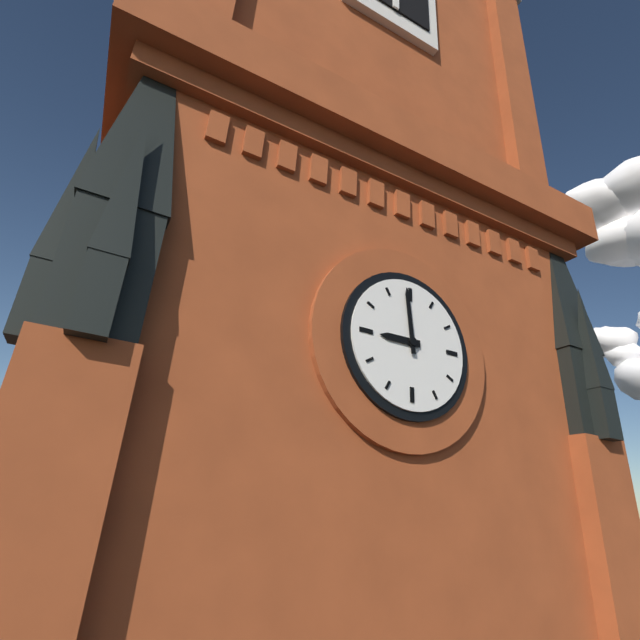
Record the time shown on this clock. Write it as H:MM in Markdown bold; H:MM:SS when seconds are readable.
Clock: **8:59**
